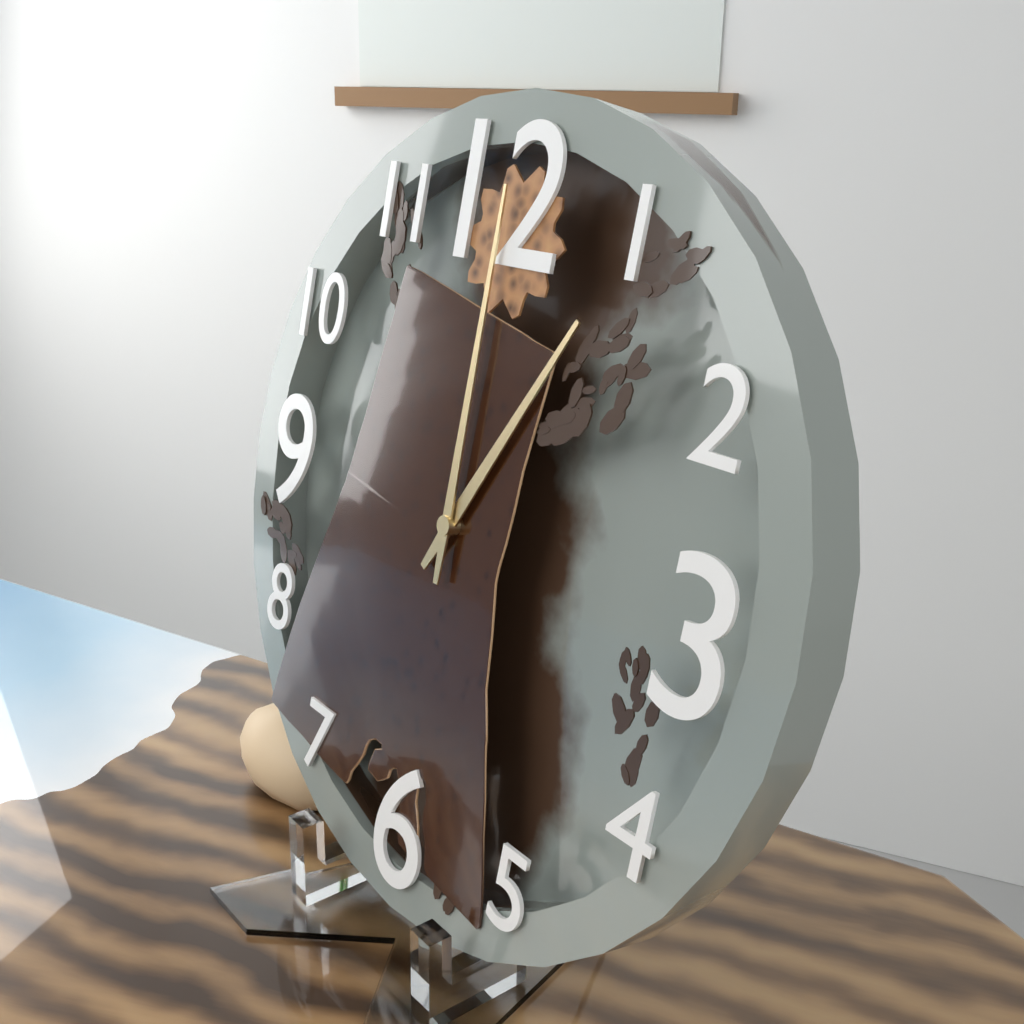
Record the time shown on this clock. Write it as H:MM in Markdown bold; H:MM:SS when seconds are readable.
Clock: **1:00**
